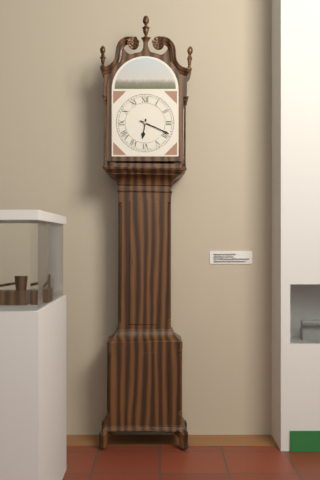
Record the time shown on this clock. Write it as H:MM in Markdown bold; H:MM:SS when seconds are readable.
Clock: **6:19**
